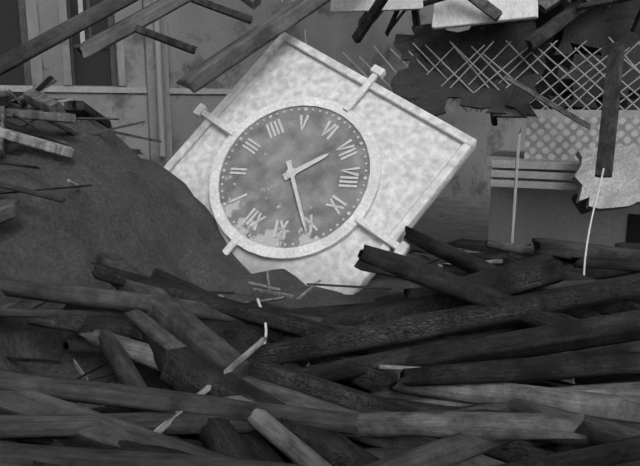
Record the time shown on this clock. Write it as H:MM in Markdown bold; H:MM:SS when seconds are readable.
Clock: **6:51**
